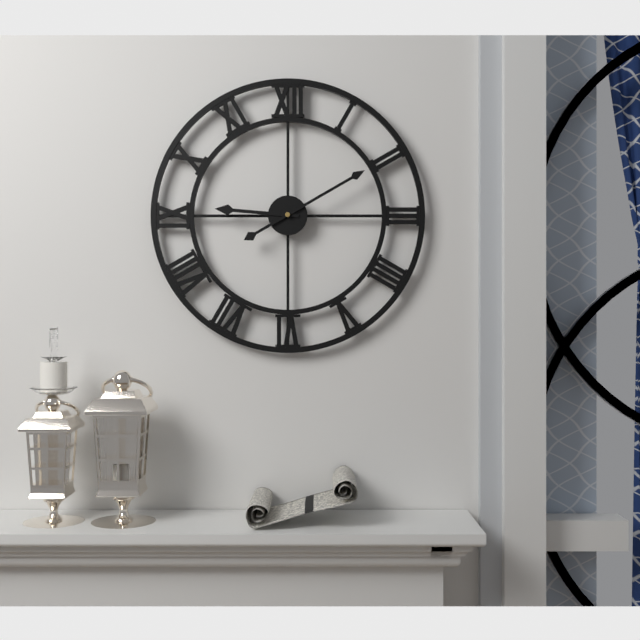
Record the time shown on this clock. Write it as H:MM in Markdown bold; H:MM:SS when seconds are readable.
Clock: **9:10**
